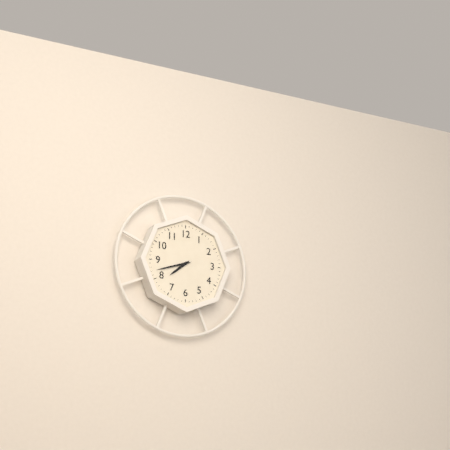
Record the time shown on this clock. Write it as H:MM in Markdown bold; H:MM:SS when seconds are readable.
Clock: **7:42**
